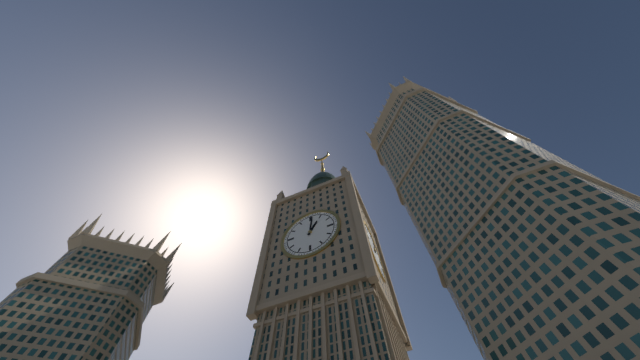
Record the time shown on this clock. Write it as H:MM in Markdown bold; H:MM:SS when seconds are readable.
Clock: **1:01**
